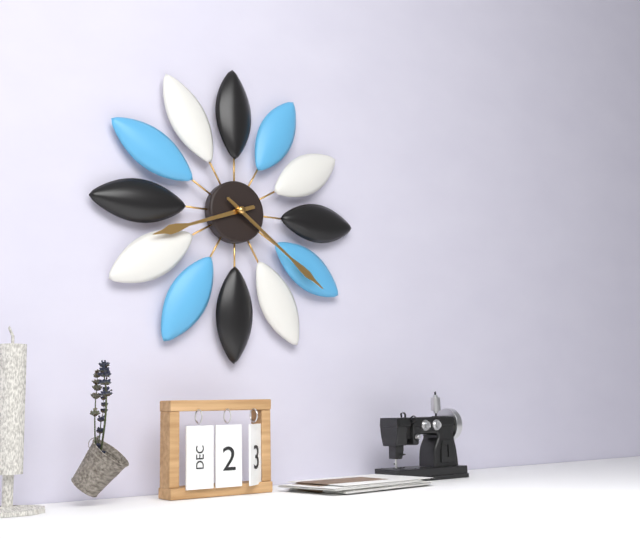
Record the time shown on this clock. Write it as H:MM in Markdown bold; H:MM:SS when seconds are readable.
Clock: **8:21**
